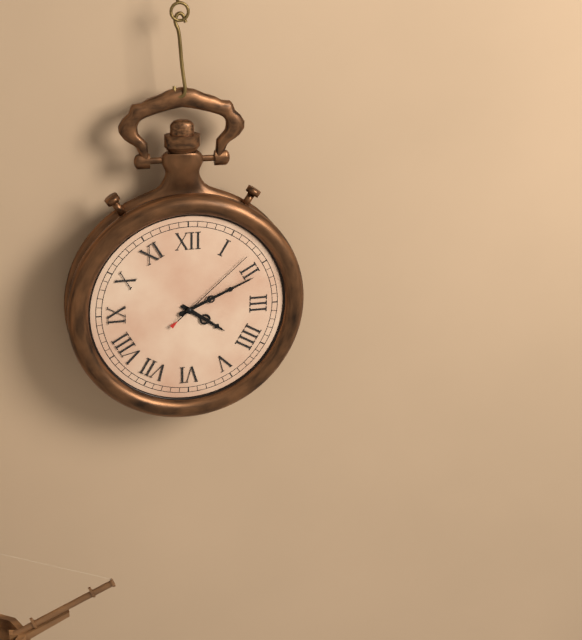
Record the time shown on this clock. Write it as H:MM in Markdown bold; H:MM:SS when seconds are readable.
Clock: **4:11:08**
